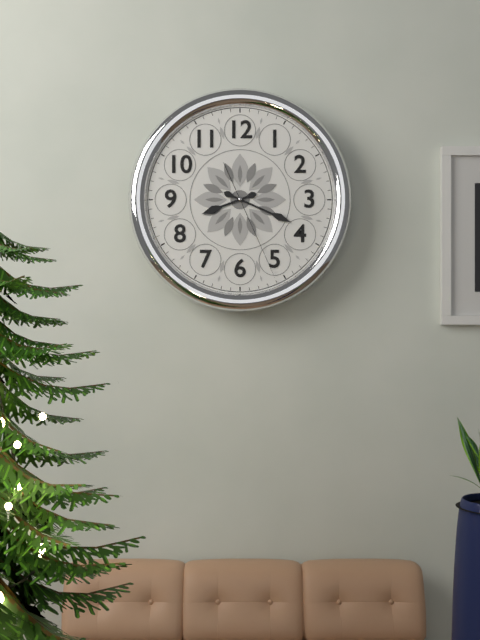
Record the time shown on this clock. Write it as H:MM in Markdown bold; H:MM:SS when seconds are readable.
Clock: **8:19:26**
